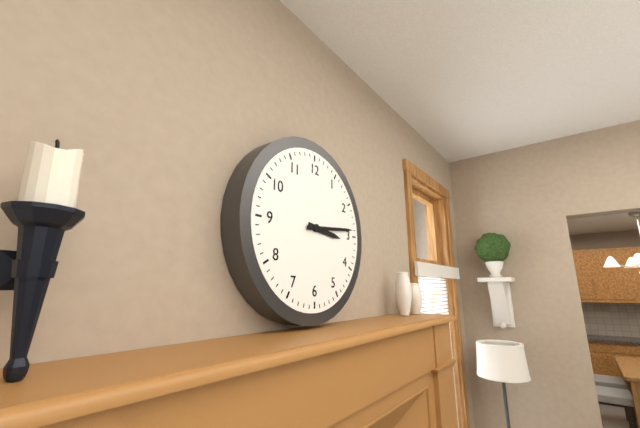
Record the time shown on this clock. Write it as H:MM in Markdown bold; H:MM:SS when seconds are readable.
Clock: **3:14**
